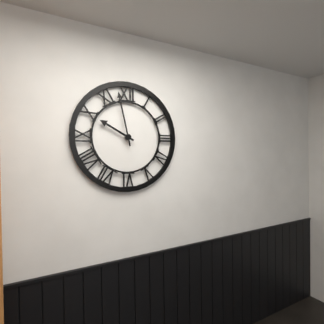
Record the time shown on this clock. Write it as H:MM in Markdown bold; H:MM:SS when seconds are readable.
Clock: **9:58**
